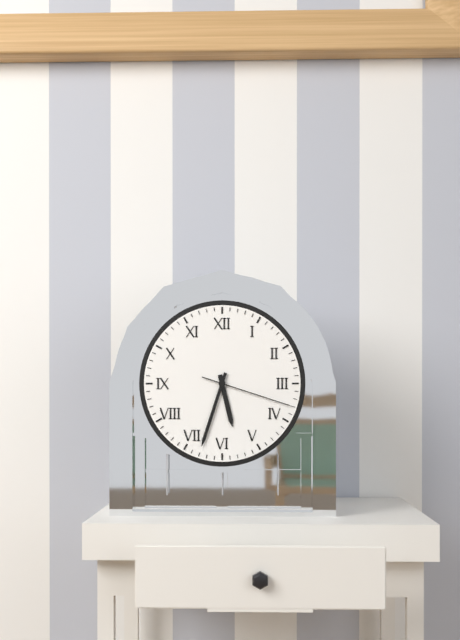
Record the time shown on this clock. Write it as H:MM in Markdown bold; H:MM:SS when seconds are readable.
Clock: **5:33:18**
